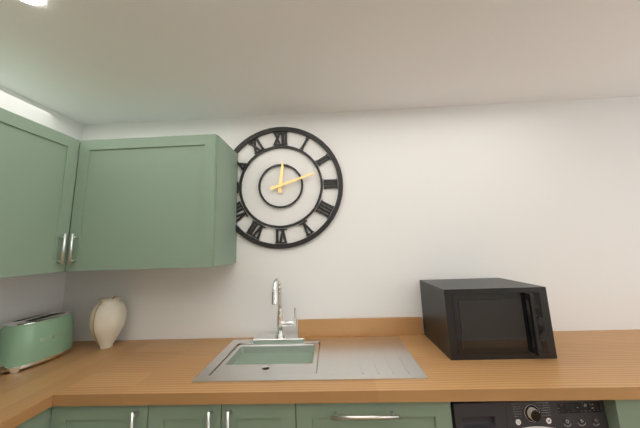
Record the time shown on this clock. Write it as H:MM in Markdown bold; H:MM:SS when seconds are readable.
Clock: **12:12**
